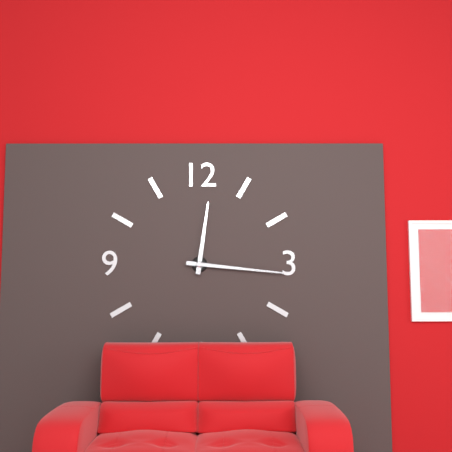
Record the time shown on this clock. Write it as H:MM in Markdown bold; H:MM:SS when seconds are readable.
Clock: **12:16**
